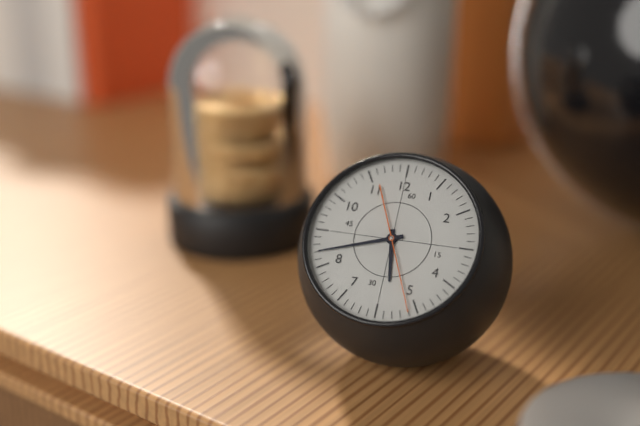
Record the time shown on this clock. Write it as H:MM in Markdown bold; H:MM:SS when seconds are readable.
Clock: **5:42:26**
